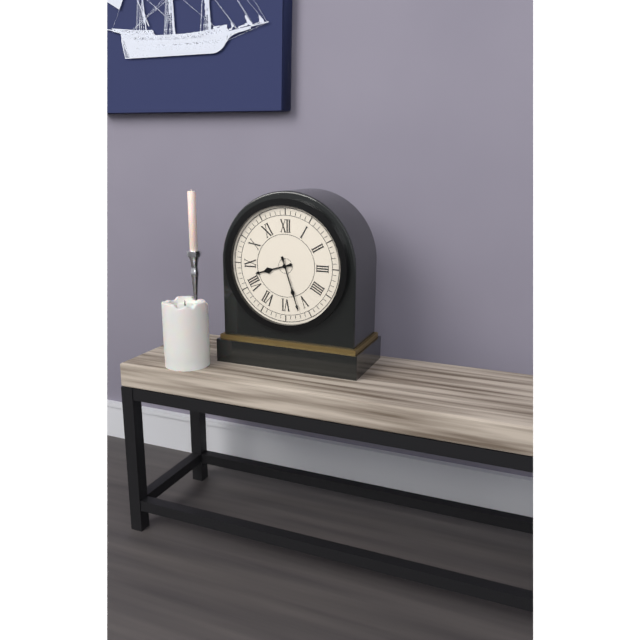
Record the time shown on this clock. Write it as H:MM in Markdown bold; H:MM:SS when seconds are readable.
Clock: **8:27**
